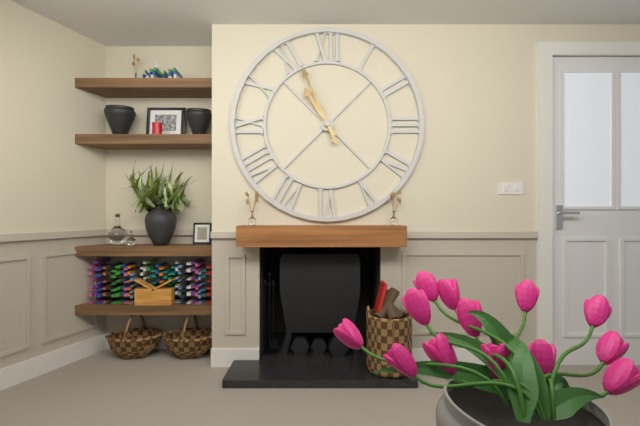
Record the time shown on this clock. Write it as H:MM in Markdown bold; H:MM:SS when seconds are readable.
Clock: **10:56**
